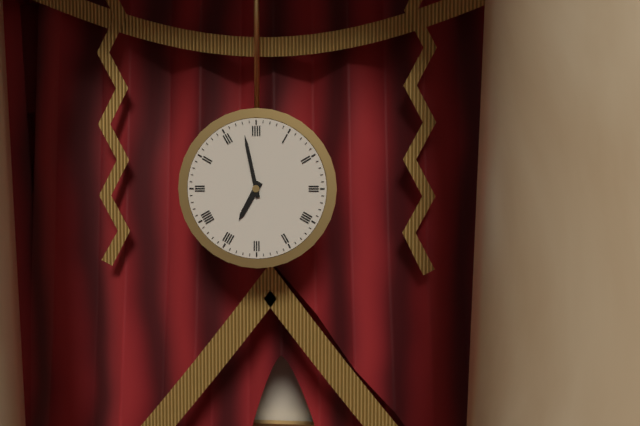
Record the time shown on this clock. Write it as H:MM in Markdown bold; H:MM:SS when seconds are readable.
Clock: **6:58**
